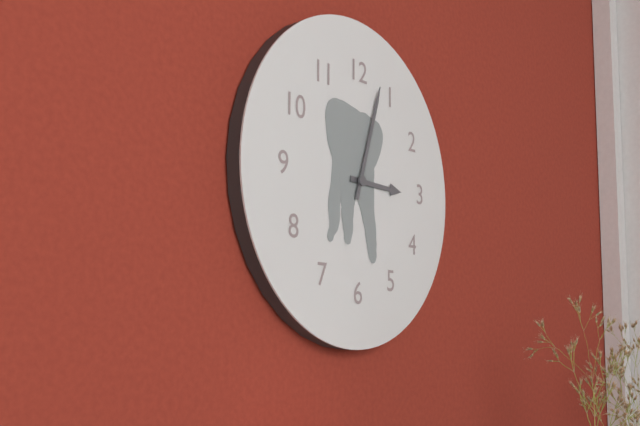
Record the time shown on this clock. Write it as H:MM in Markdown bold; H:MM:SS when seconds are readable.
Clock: **3:03**
